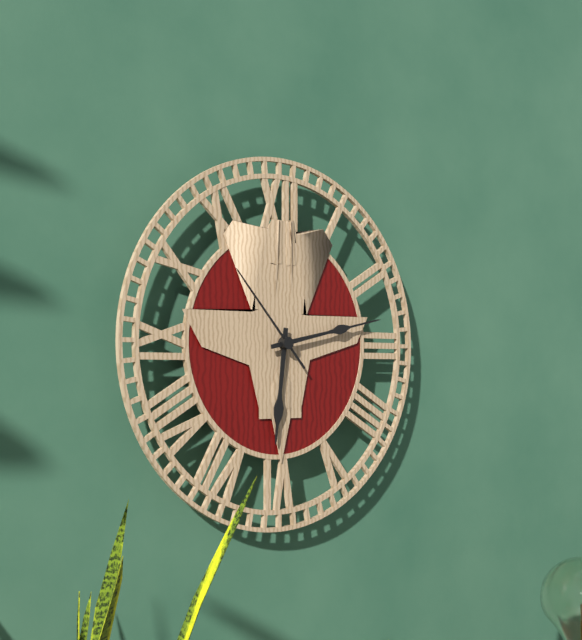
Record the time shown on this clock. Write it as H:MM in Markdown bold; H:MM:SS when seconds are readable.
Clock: **6:13:53**
